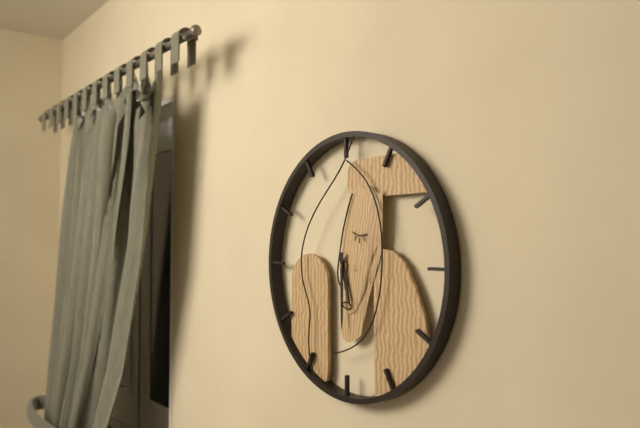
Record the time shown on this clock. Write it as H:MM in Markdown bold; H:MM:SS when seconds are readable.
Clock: **5:30**
